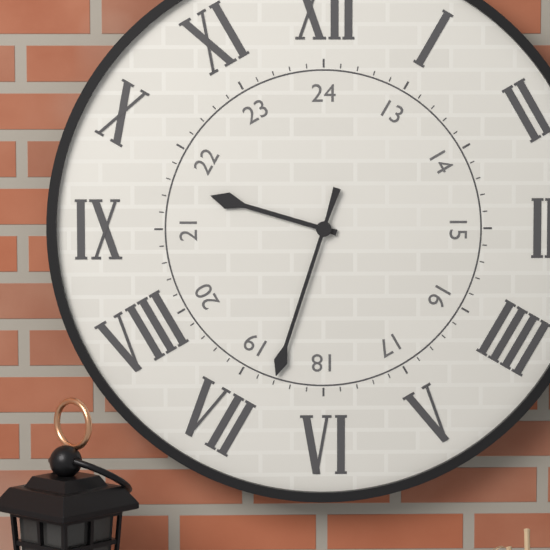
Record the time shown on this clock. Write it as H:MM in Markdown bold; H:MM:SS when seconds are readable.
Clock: **9:33**
